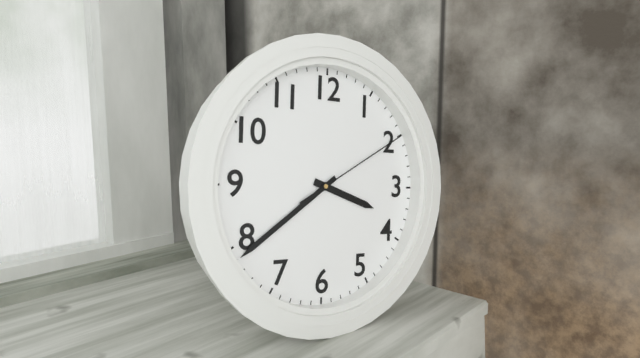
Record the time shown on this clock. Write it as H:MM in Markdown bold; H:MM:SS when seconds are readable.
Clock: **3:39:10**
